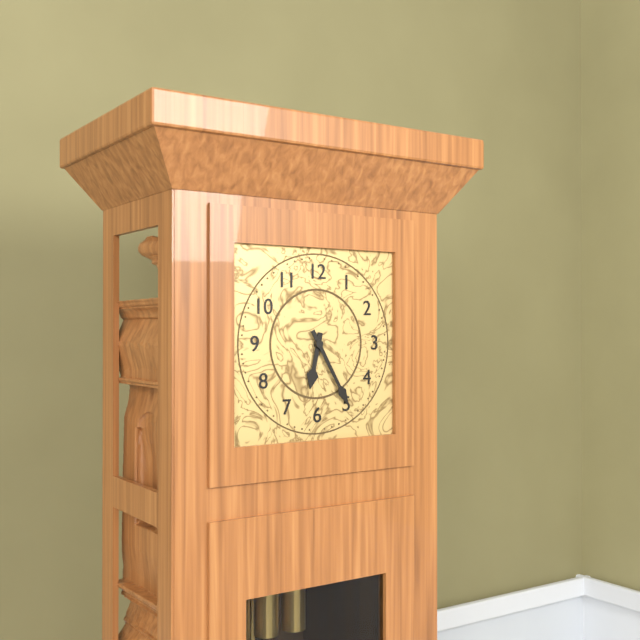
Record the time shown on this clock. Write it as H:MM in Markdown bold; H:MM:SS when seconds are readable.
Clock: **6:25**
